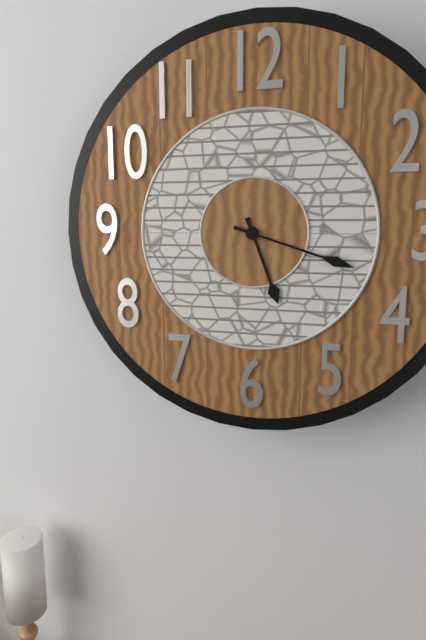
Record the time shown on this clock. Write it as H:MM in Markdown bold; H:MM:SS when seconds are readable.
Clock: **5:18**
